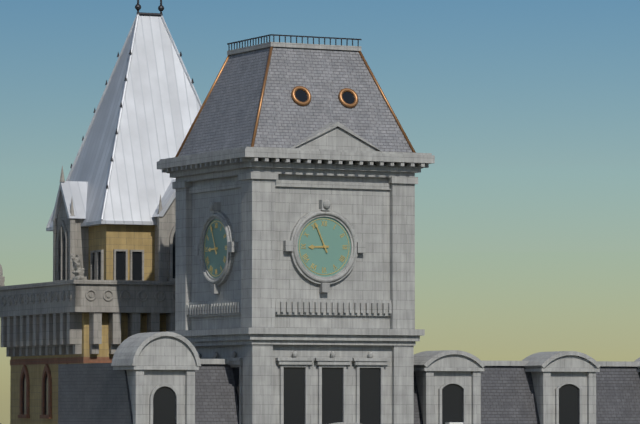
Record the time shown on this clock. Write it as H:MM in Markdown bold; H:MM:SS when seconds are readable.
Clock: **8:56**
